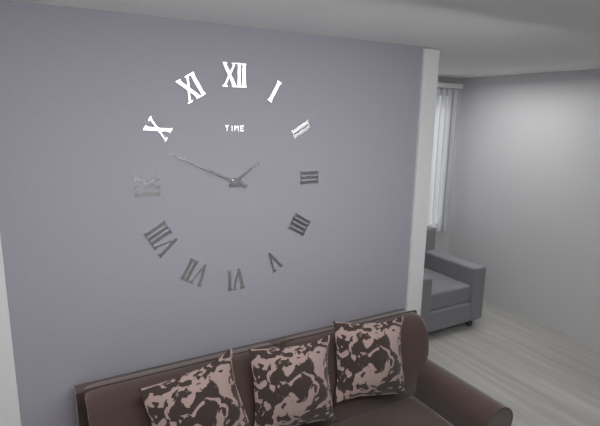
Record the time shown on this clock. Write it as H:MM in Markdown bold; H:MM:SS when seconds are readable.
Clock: **1:49**
